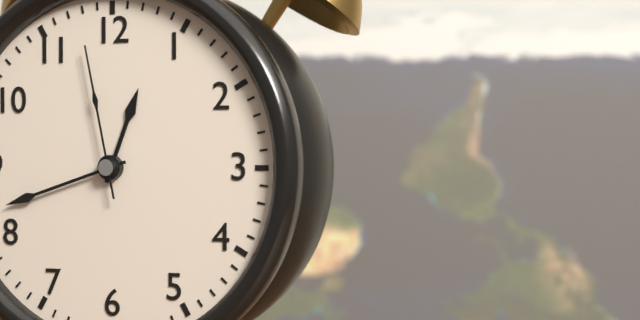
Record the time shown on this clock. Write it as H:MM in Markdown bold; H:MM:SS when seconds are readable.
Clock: **12:42:58**
